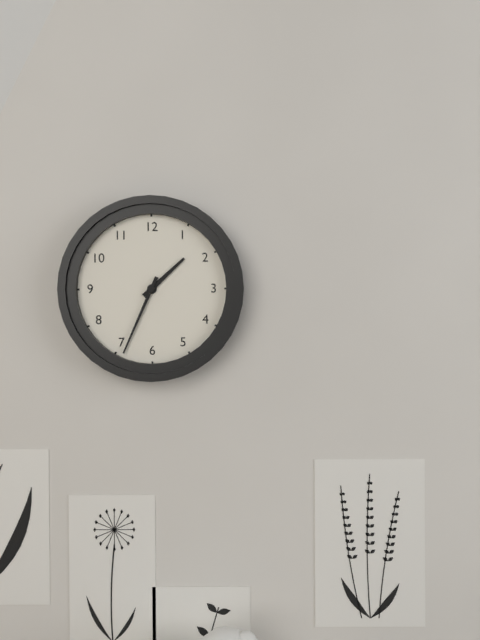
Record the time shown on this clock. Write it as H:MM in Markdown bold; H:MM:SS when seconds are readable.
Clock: **1:34**
